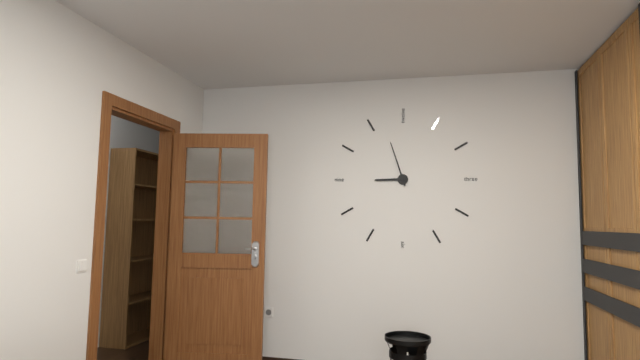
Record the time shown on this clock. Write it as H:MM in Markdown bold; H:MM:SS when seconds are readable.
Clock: **8:57**
